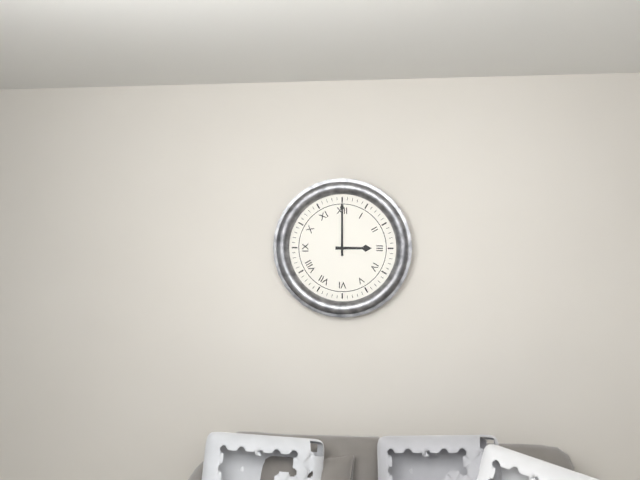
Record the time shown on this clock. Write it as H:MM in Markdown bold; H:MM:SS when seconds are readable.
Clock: **3:00**
